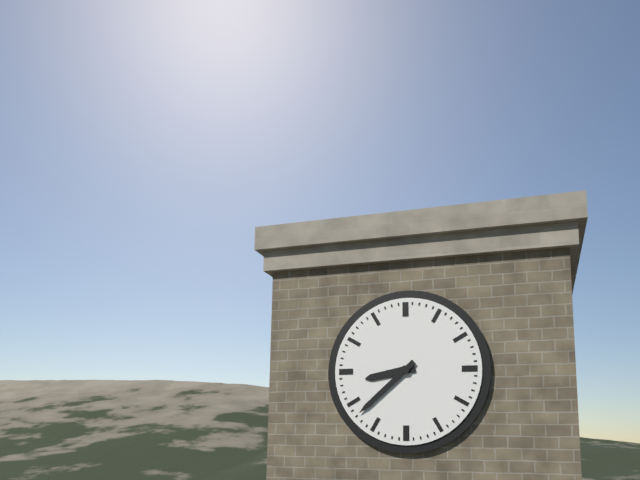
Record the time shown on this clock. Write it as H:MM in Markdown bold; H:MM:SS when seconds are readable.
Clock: **8:38**
